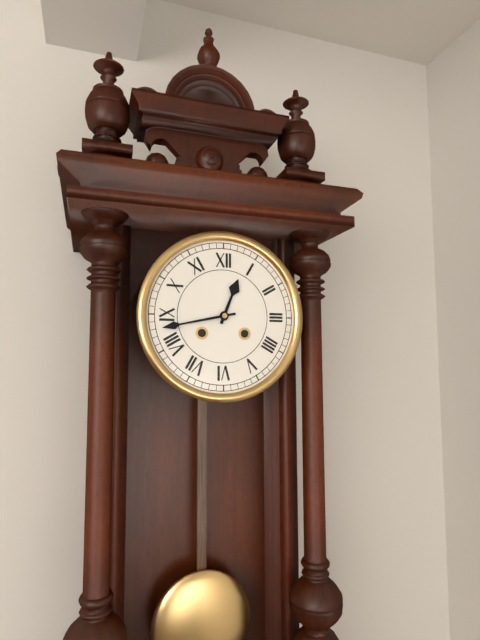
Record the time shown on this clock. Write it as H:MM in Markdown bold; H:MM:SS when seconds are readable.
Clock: **12:43**
